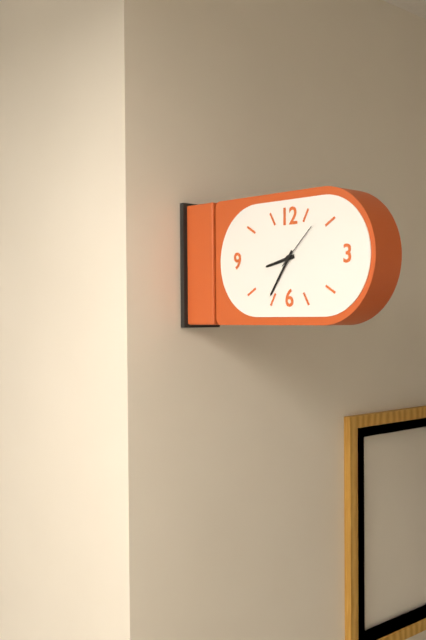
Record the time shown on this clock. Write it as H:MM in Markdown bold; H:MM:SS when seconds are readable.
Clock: **8:36**
